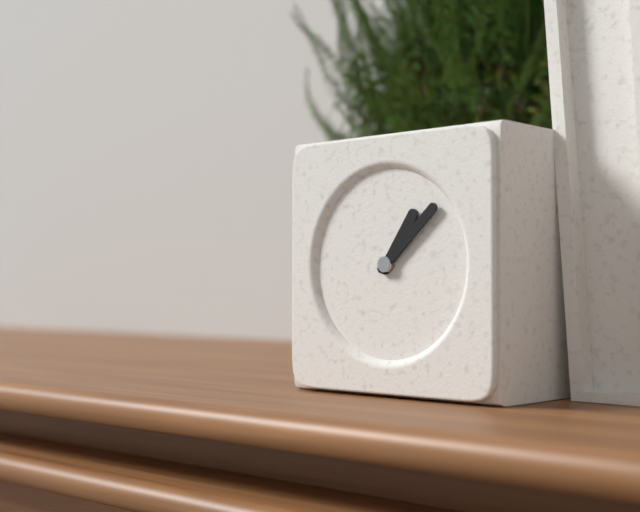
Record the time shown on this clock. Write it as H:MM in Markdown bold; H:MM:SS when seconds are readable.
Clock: **1:08**
